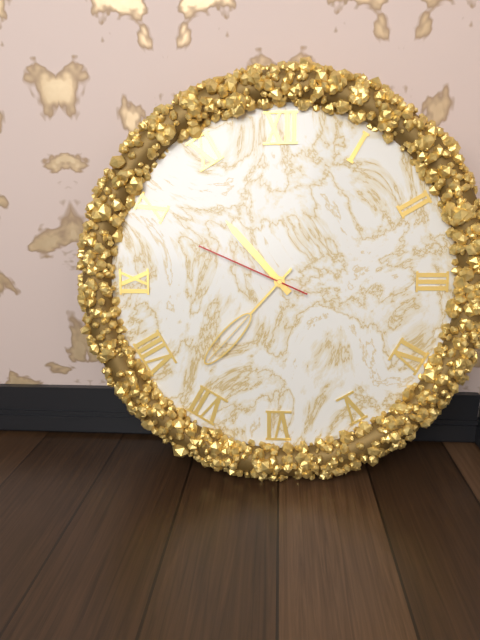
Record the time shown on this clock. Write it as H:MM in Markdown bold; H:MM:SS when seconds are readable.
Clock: **10:37:49**
